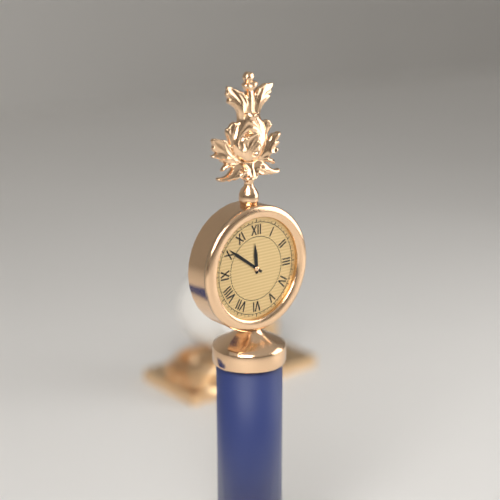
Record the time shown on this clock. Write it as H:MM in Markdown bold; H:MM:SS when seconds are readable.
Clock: **11:51**
